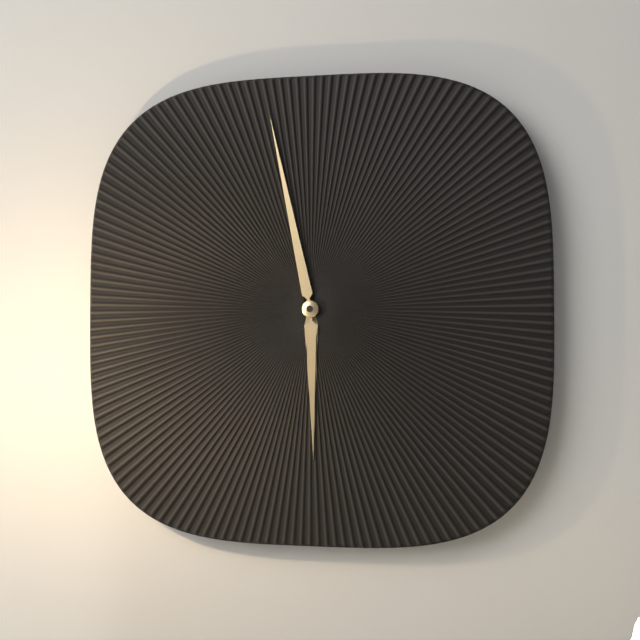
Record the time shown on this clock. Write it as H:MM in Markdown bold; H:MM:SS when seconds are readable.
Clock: **5:58**
